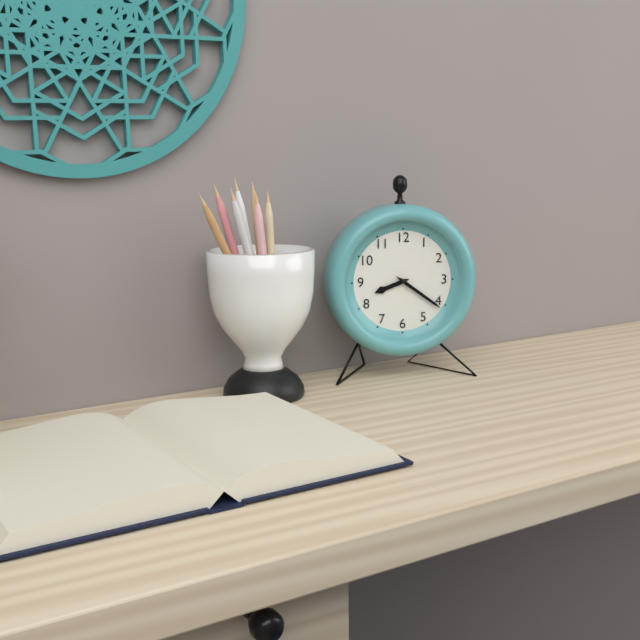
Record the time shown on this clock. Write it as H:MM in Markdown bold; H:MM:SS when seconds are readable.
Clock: **8:21**
